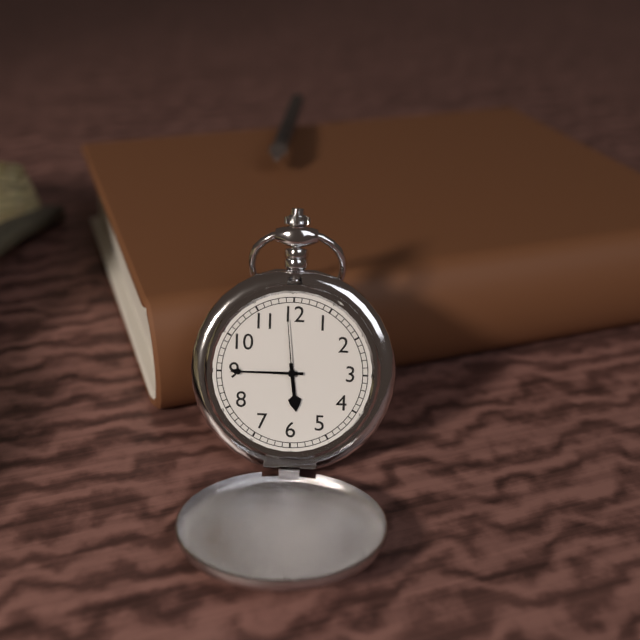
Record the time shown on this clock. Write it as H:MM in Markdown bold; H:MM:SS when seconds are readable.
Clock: **5:45:59**
